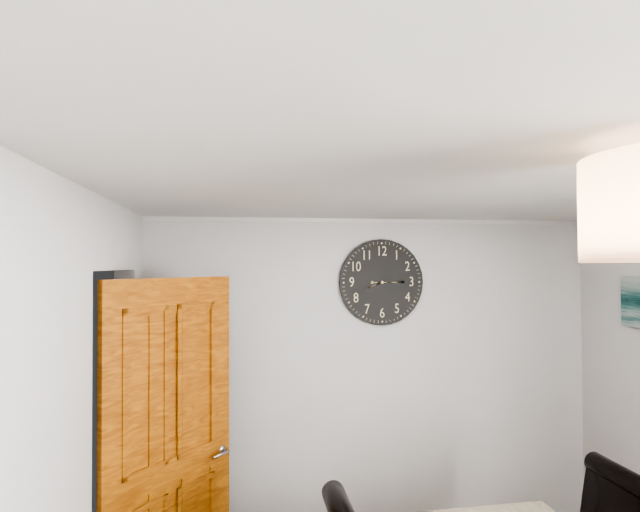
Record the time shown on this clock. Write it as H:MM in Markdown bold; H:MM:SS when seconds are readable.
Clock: **8:15**
